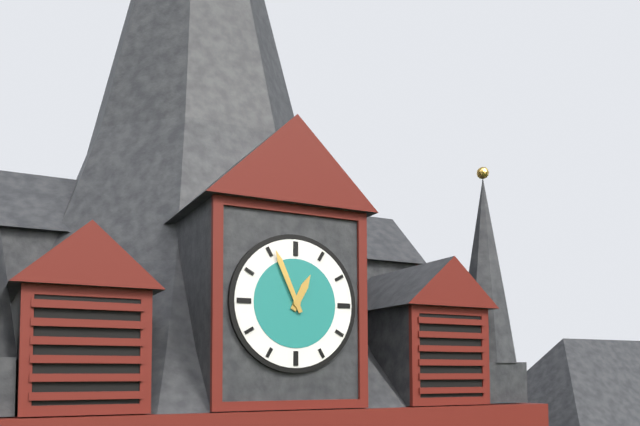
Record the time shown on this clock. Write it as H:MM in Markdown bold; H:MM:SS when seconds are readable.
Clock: **12:56**
